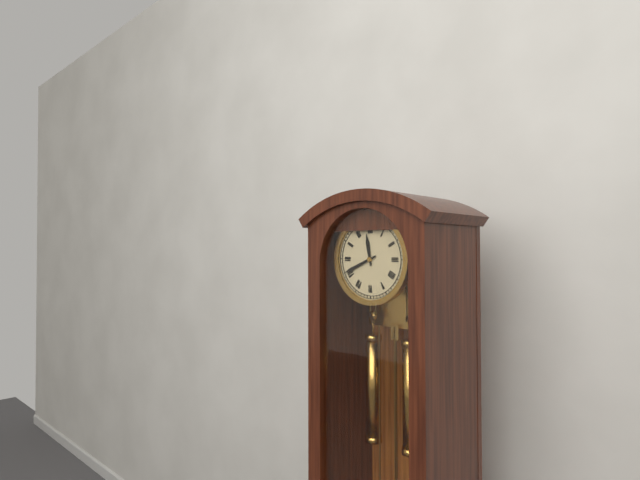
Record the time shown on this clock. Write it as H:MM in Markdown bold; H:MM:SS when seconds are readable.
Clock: **11:41**
